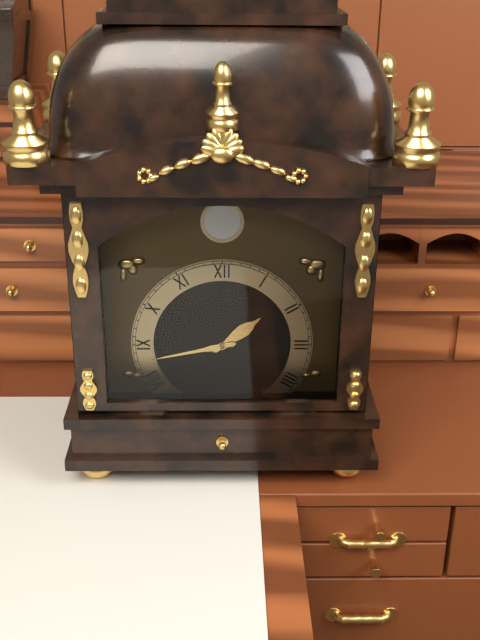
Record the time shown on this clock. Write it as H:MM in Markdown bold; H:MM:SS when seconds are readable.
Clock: **1:43**
